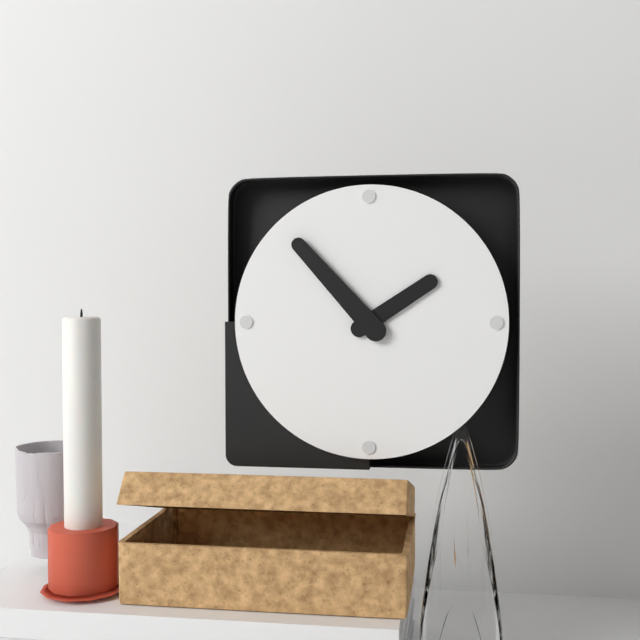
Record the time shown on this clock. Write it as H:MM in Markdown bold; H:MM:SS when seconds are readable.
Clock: **1:53**
